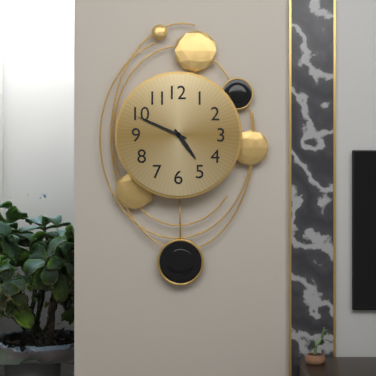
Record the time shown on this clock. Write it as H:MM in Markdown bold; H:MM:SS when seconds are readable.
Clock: **4:49**
